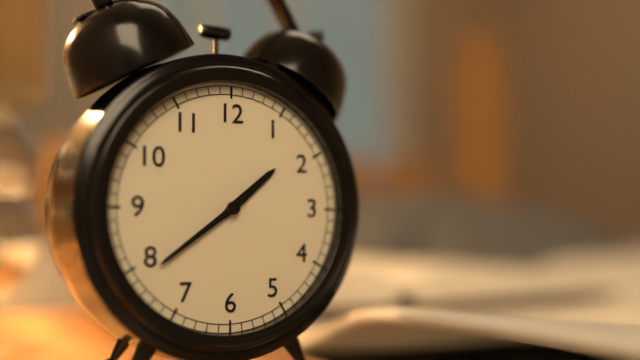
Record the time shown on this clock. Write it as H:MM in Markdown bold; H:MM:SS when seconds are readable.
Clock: **1:39**
